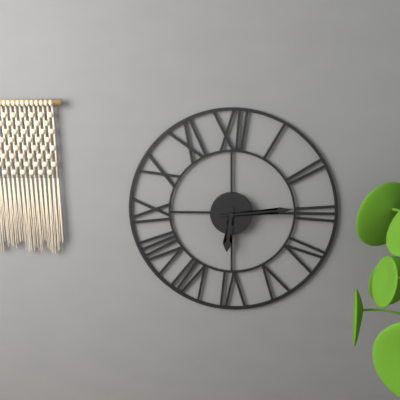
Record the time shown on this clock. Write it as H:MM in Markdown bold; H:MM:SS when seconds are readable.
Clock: **6:14**
